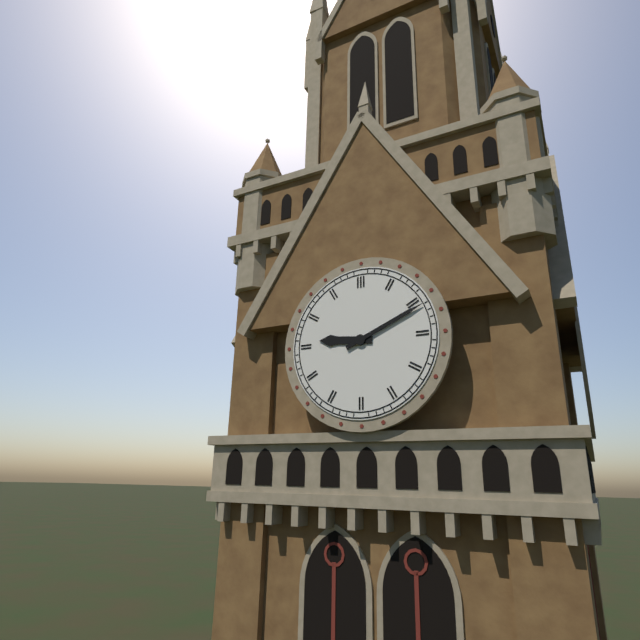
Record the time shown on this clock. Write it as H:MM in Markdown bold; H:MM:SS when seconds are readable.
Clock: **9:11**
